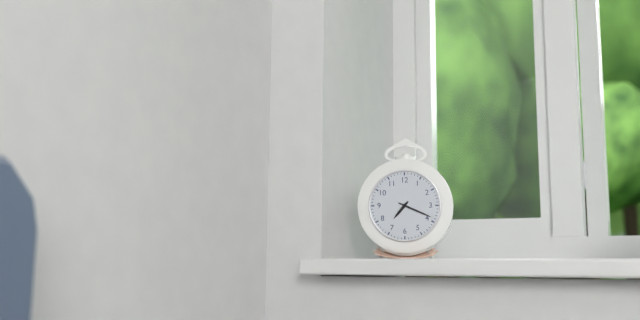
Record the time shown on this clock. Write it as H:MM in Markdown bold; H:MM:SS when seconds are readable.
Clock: **7:19**
